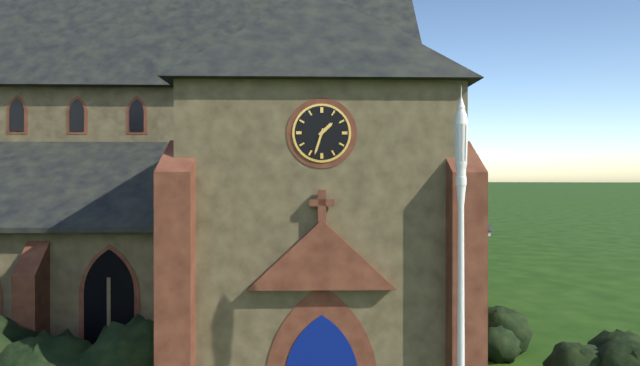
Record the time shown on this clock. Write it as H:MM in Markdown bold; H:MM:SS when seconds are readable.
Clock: **1:33**
